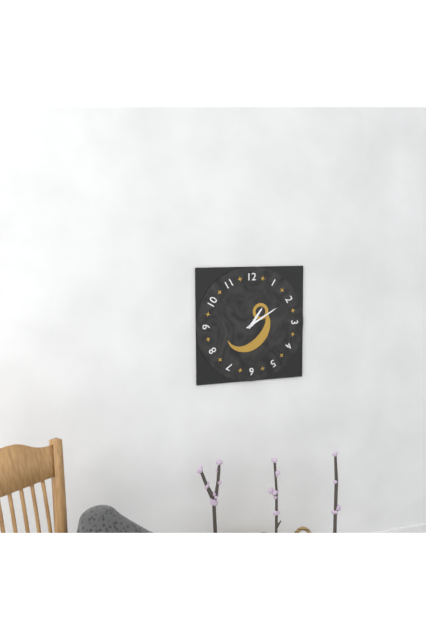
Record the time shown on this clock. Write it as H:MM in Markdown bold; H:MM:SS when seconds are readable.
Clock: **1:10**
